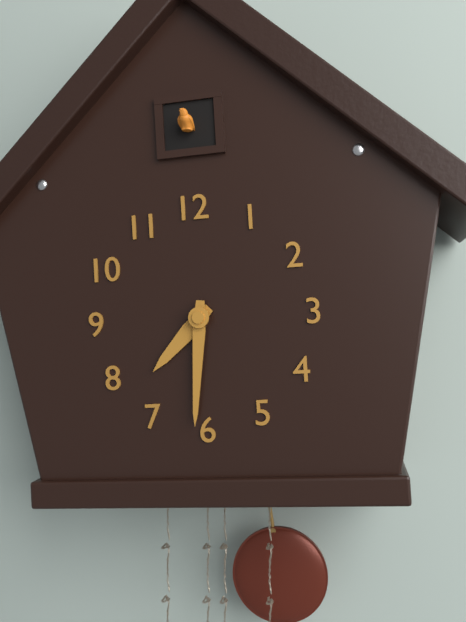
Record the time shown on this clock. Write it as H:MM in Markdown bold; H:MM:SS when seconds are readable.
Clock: **7:31**
